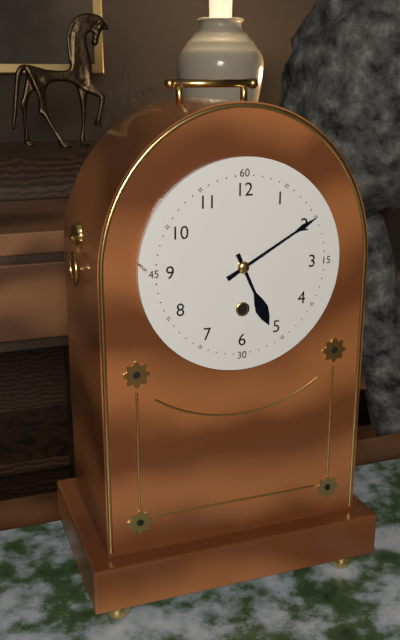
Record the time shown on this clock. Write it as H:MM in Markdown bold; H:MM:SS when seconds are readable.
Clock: **5:10**
